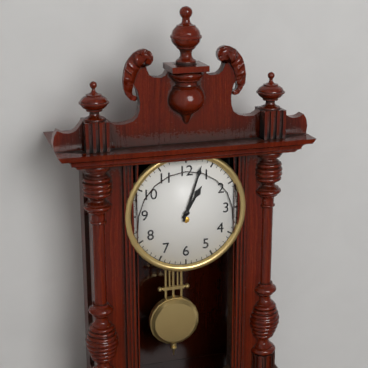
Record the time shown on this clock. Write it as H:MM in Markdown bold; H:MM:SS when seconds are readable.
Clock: **1:03**
